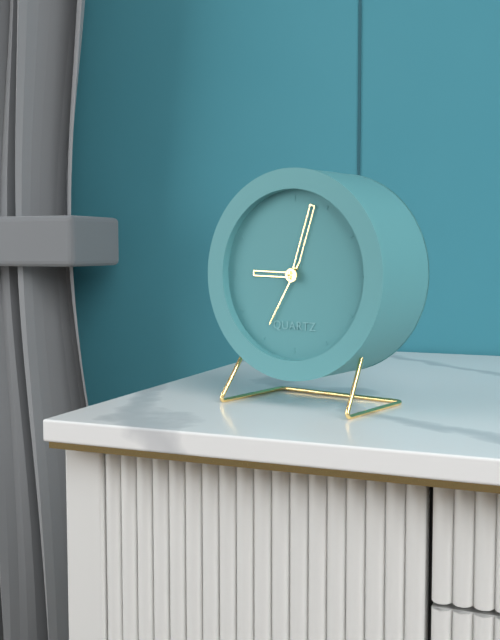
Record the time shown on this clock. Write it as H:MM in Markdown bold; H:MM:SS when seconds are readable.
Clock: **9:03:35**
